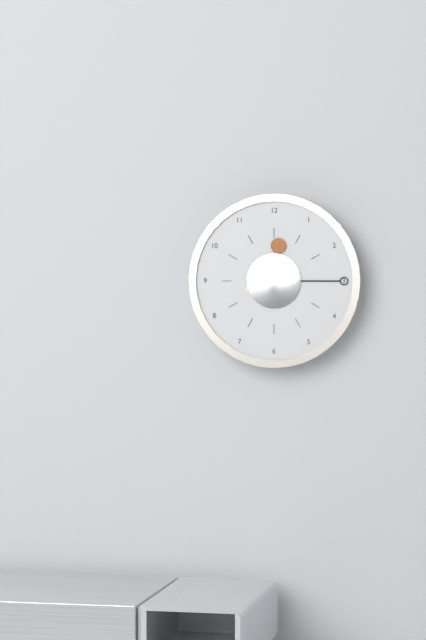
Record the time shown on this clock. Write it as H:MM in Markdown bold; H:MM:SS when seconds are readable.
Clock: **12:15**
